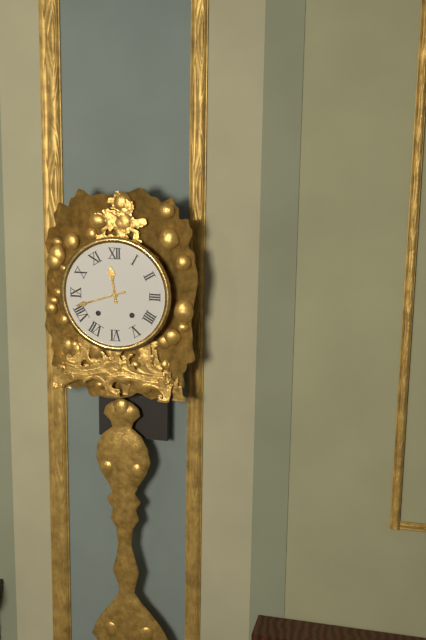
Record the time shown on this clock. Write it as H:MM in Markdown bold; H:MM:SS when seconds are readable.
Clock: **11:42**
